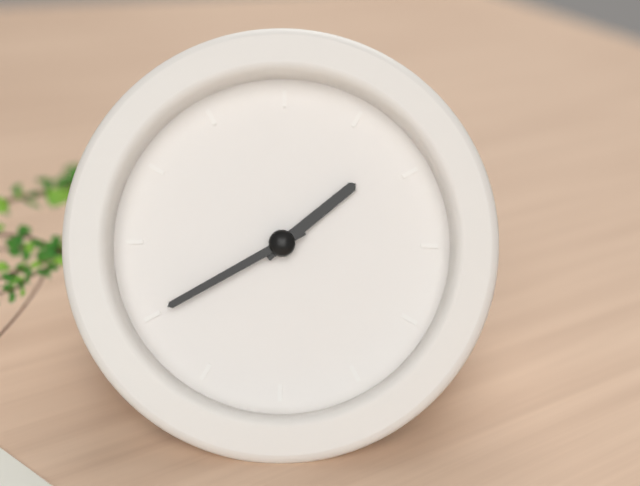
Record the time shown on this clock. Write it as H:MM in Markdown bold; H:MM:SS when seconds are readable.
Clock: **1:40**
